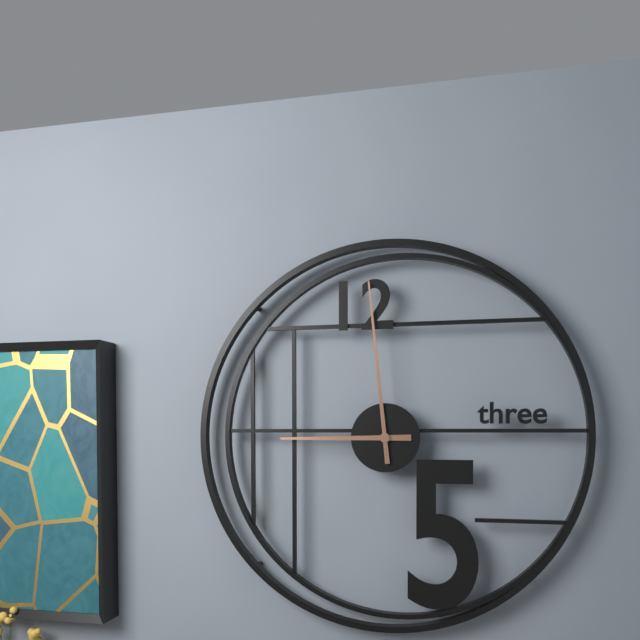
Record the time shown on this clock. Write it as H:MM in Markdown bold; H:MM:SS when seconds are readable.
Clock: **8:59**
